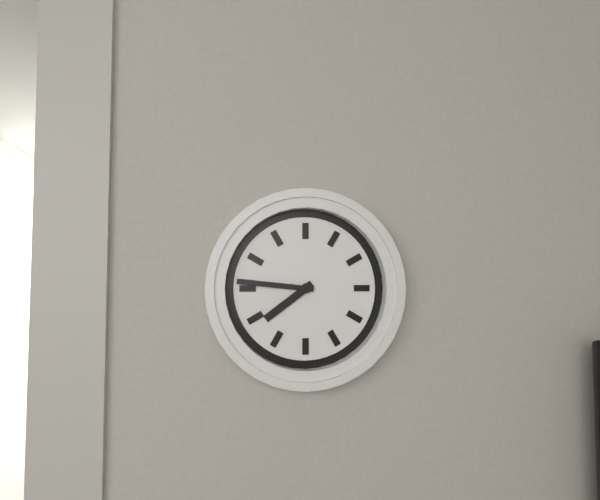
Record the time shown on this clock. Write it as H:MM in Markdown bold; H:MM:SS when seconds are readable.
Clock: **7:46**
